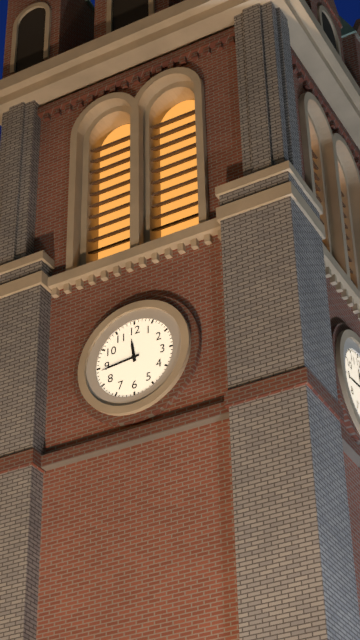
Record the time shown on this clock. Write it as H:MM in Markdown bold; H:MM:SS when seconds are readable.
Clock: **11:44**
